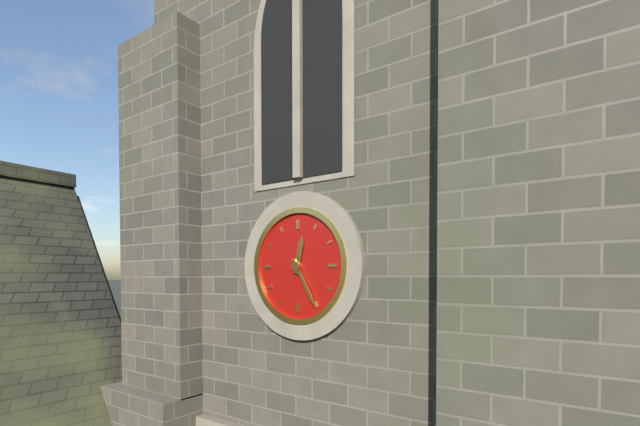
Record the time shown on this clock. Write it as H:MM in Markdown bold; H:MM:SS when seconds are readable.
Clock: **12:25**
